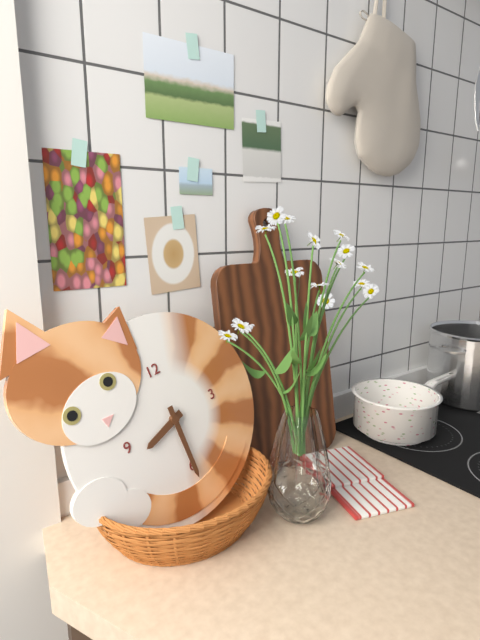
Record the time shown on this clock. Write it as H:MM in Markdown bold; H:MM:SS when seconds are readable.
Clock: **8:30**
